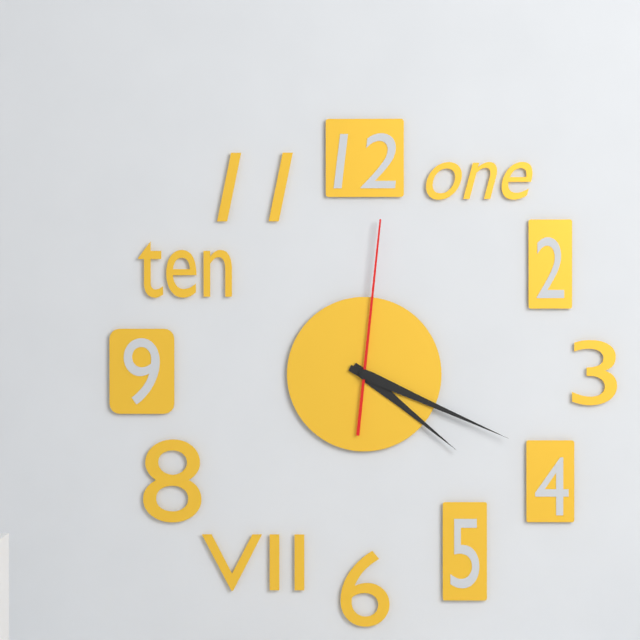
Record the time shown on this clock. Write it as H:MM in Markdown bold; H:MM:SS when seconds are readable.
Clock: **4:19:01**
